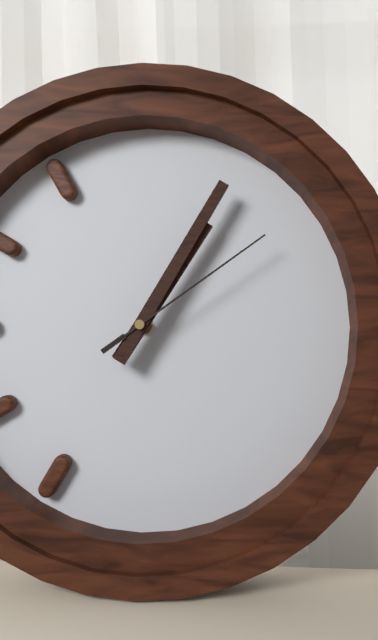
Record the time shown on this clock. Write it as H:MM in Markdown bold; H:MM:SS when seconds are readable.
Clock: **1:05:09**
